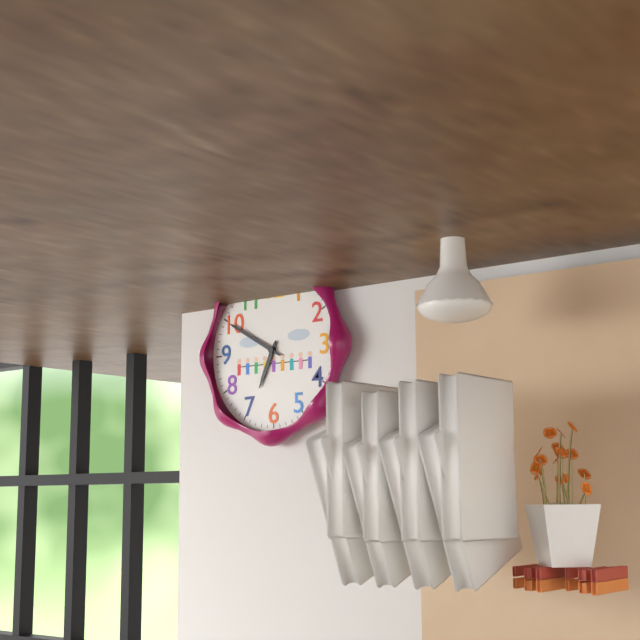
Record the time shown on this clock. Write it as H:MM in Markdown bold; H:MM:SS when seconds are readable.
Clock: **6:50**
